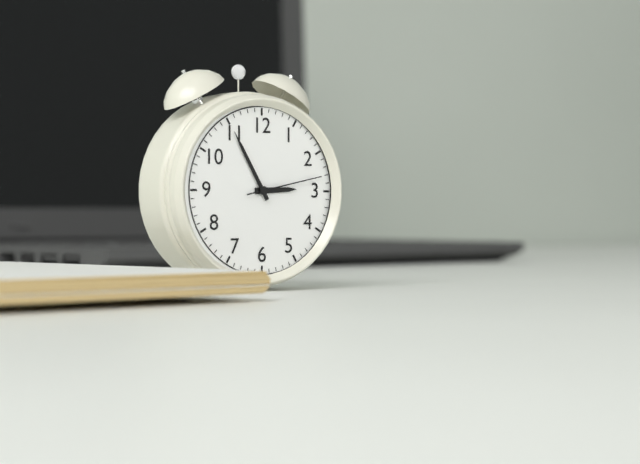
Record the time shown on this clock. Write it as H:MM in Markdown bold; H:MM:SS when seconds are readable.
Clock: **2:55:13**
